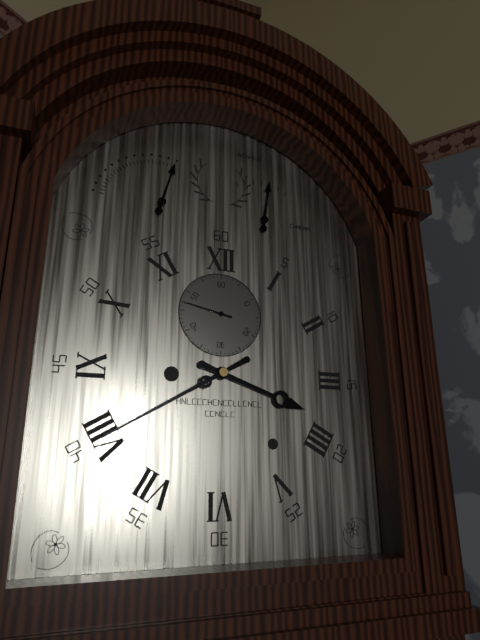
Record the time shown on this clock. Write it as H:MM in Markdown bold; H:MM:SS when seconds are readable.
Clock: **3:40**
